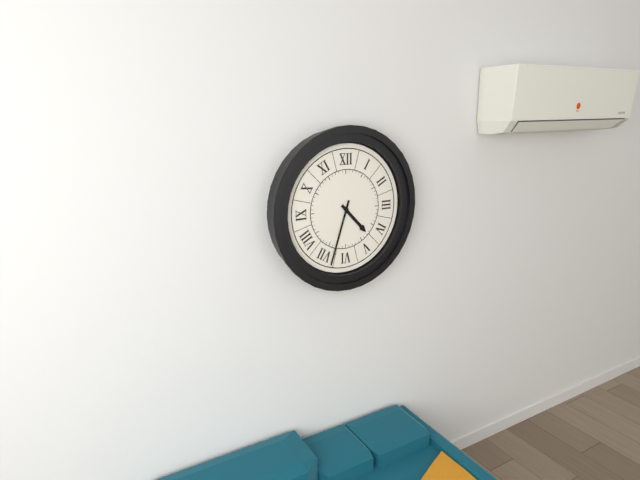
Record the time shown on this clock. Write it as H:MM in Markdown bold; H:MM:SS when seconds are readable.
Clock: **4:33**
